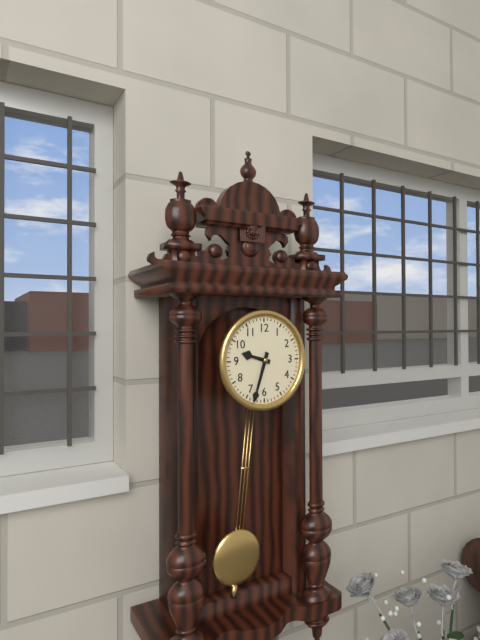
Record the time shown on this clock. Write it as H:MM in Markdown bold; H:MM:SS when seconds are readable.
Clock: **9:33**
